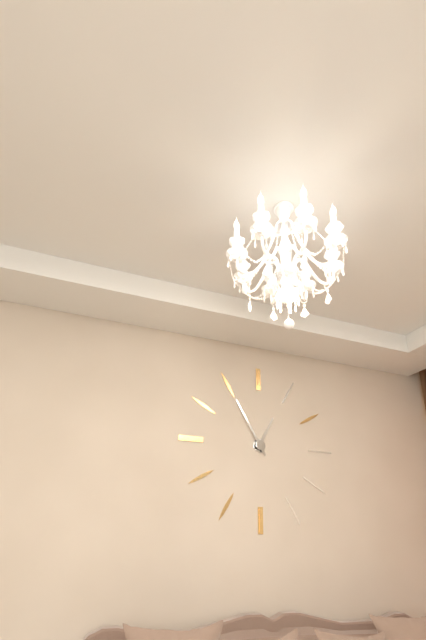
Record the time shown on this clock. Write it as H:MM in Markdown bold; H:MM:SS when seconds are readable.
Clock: **12:55**
